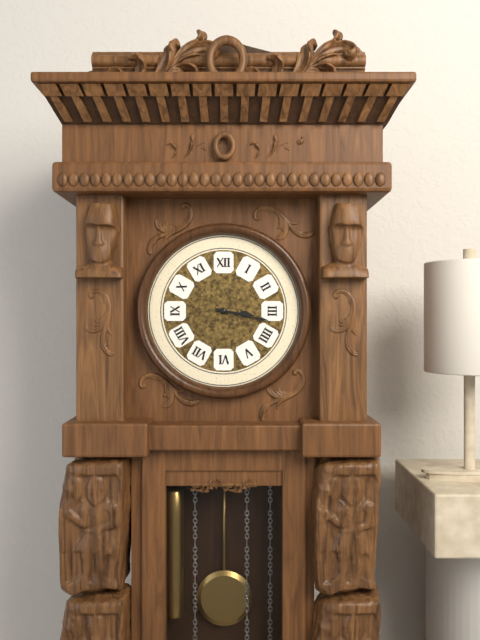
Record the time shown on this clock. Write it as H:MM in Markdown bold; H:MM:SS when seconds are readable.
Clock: **3:17**
